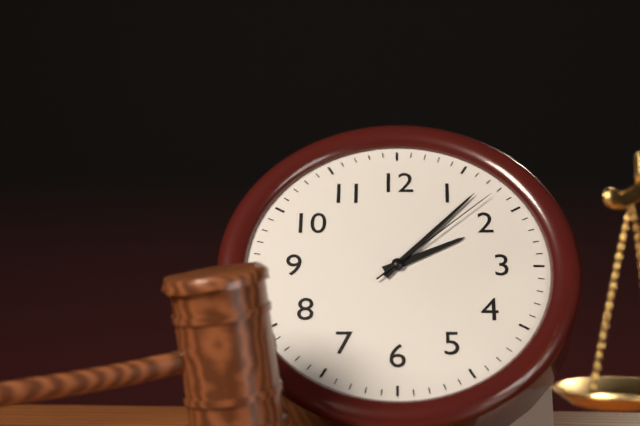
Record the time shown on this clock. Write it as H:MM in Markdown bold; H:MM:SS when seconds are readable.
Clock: **2:07:08**
